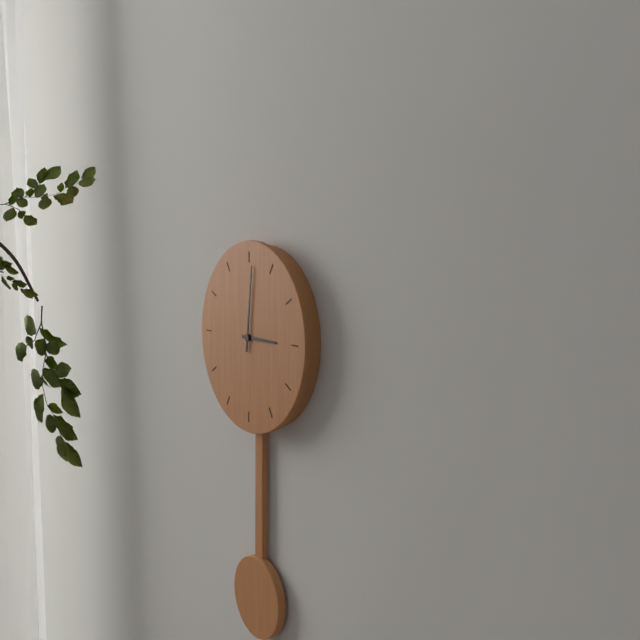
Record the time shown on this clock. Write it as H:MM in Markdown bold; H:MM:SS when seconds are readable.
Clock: **3:01**
